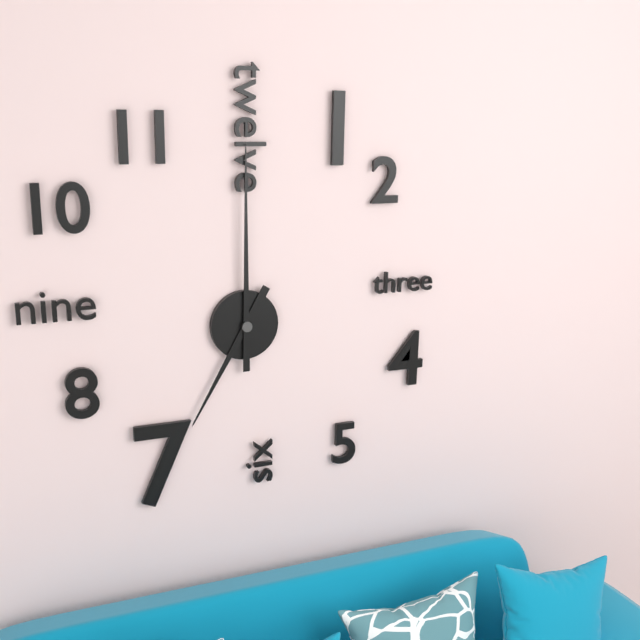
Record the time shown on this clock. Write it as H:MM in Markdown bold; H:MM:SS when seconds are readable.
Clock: **7:00**
